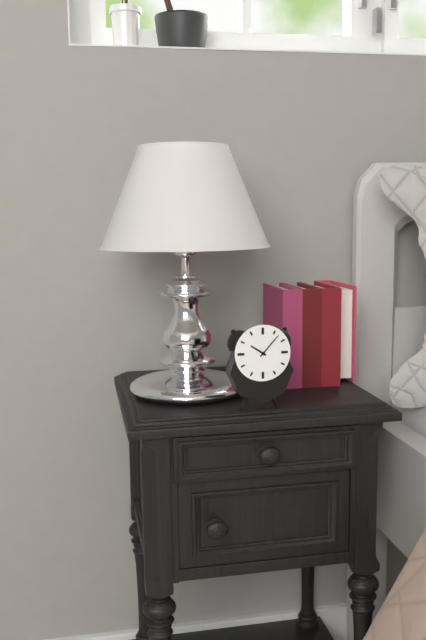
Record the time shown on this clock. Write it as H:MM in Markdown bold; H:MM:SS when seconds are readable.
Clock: **10:07**
